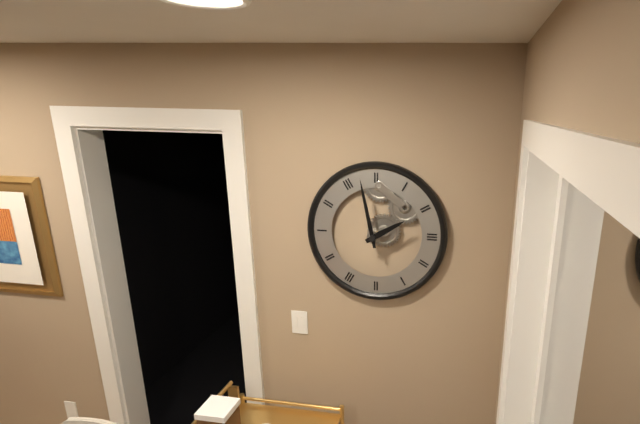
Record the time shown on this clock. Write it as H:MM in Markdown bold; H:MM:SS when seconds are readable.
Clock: **1:58**
